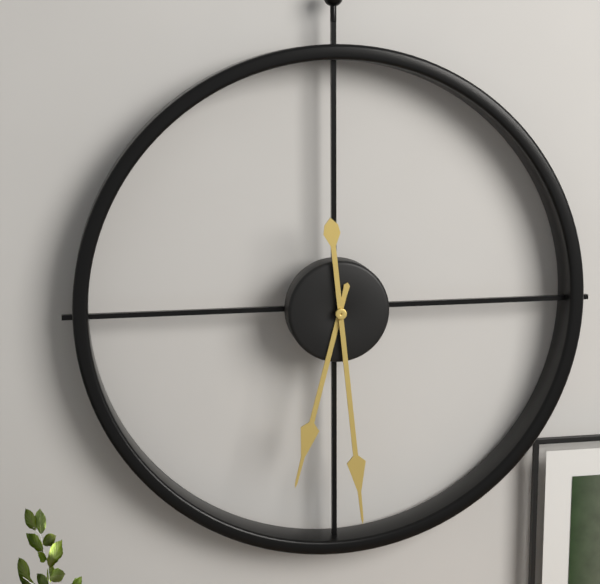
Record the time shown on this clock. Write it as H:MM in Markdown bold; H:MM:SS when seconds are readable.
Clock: **6:29**
